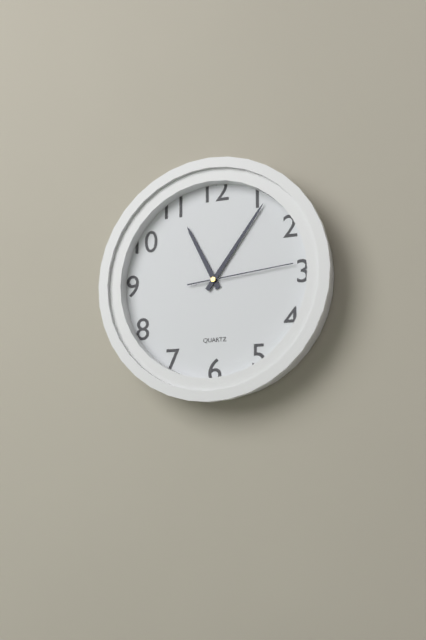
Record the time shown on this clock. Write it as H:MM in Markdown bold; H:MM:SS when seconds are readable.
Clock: **11:06:14**
